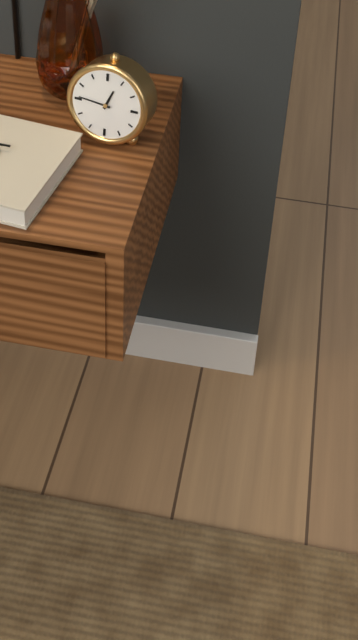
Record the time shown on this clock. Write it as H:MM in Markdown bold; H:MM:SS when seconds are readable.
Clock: **12:46**
